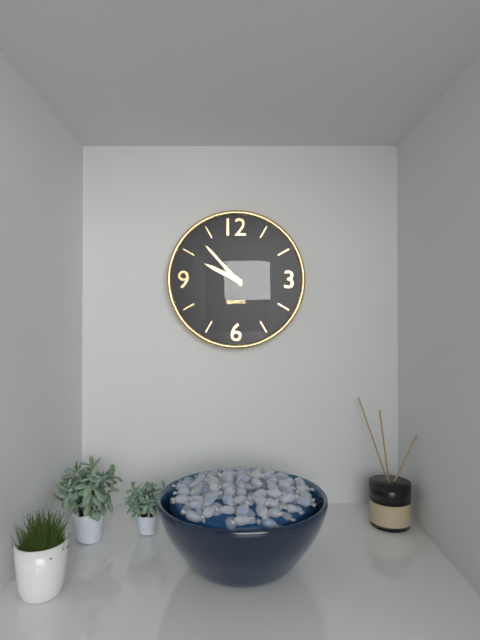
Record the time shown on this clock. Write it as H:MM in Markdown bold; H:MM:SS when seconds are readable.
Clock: **9:53**
